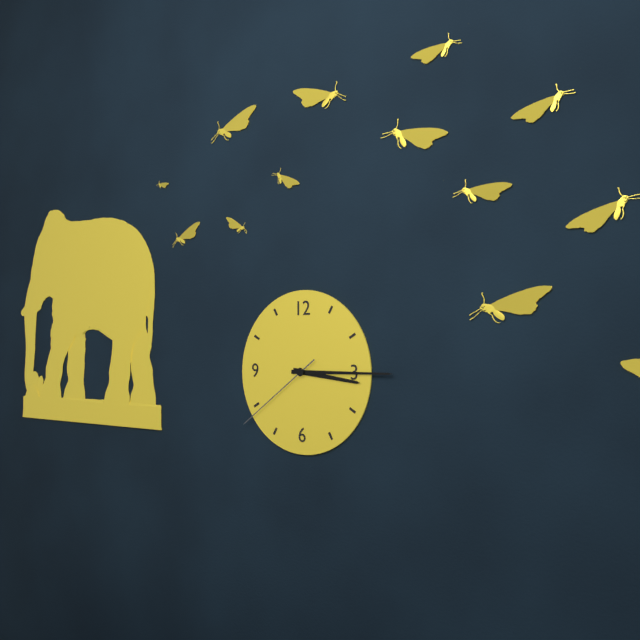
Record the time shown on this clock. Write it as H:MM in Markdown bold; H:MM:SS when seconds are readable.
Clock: **3:15:39**
